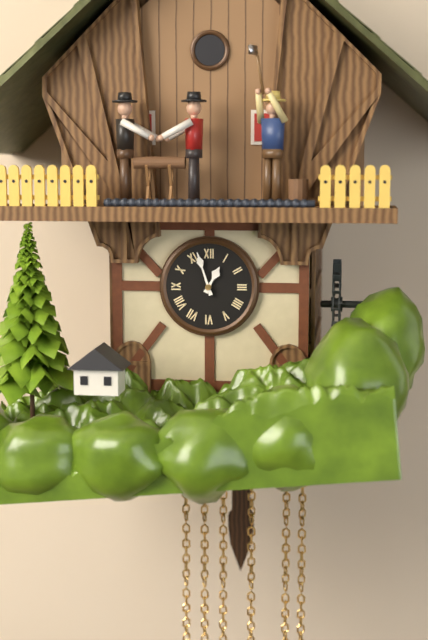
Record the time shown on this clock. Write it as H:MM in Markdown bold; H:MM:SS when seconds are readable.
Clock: **12:57**
